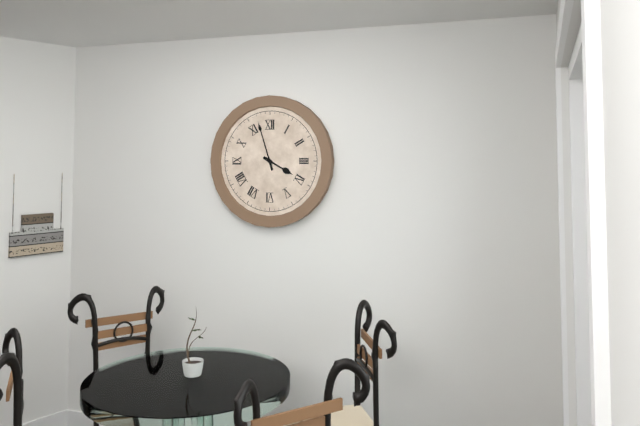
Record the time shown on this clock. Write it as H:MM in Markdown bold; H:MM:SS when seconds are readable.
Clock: **3:57**
